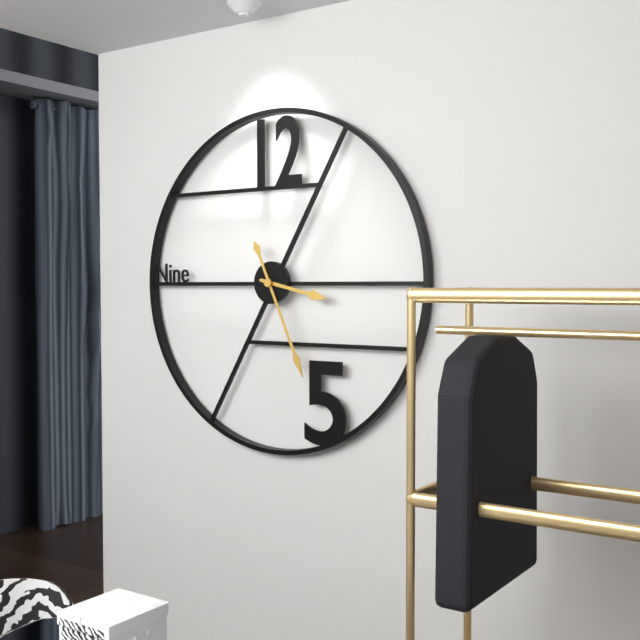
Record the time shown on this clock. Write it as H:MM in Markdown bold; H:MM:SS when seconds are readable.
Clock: **3:26**
